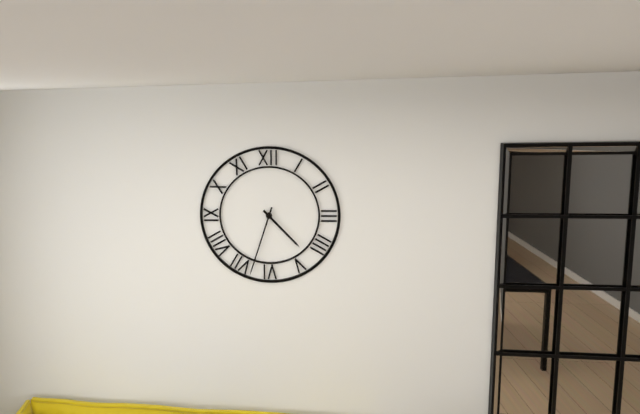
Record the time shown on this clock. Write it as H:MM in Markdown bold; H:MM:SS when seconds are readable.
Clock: **4:33**
